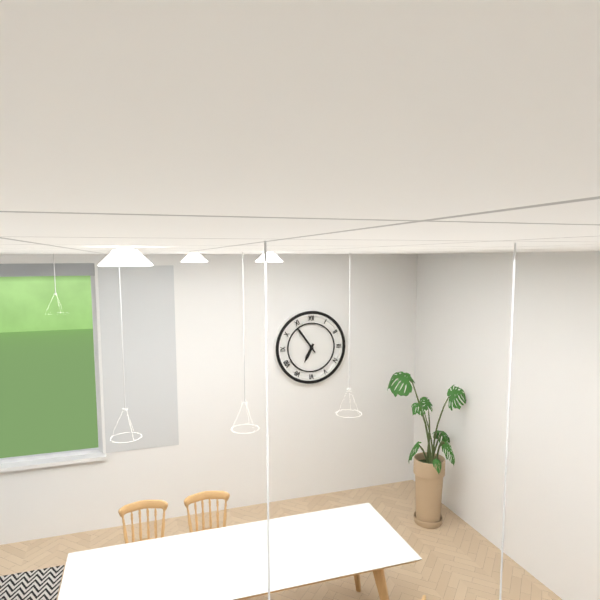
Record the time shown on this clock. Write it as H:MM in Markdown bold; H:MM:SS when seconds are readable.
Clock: **6:54**
